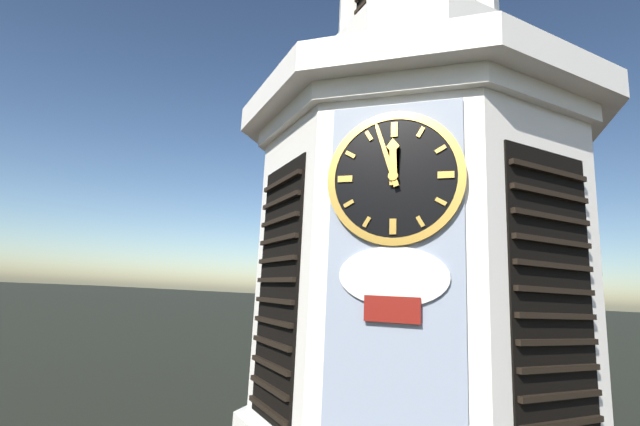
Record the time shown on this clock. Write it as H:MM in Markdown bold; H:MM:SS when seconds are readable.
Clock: **11:57**
